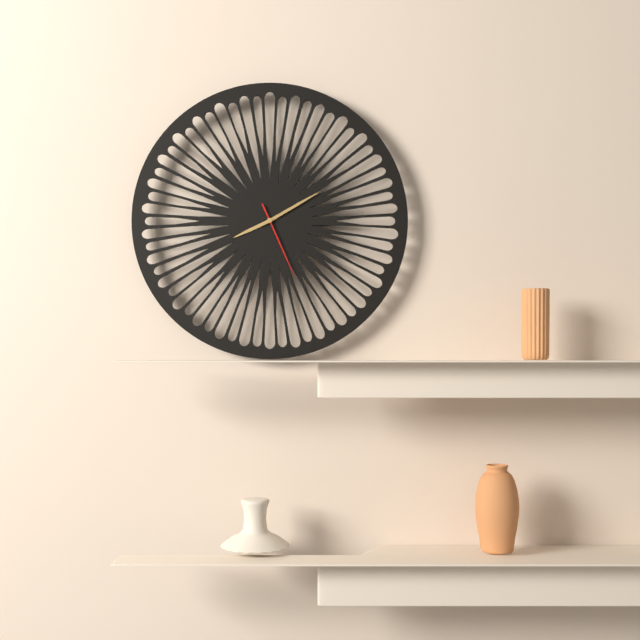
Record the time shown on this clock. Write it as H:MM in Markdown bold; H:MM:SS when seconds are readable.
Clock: **8:10:26**
